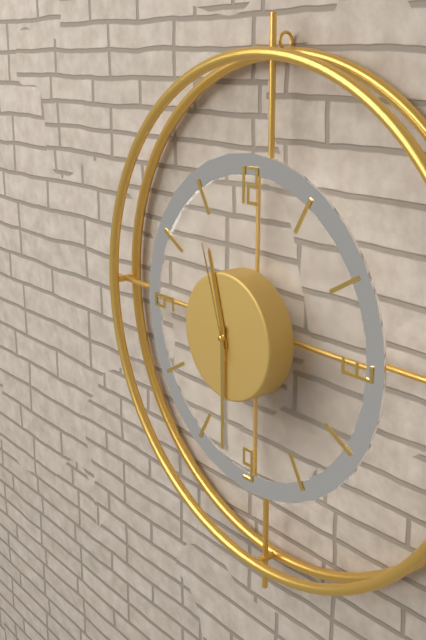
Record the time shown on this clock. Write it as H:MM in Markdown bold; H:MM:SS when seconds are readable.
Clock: **11:30:57**
